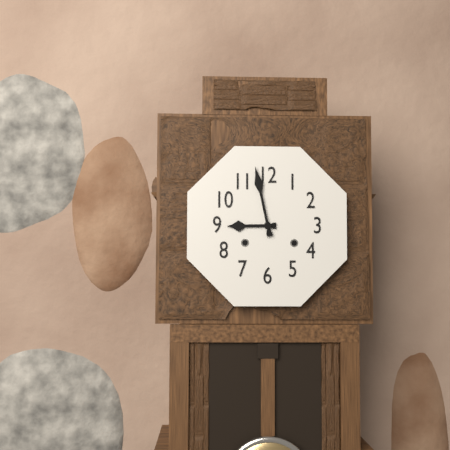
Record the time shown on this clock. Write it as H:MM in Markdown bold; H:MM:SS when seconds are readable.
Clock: **8:58**
